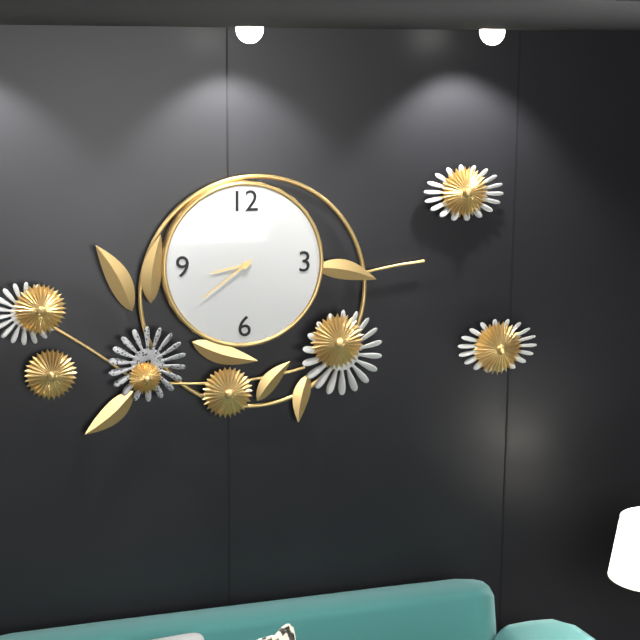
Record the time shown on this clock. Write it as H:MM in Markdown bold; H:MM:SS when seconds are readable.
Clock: **8:39**
